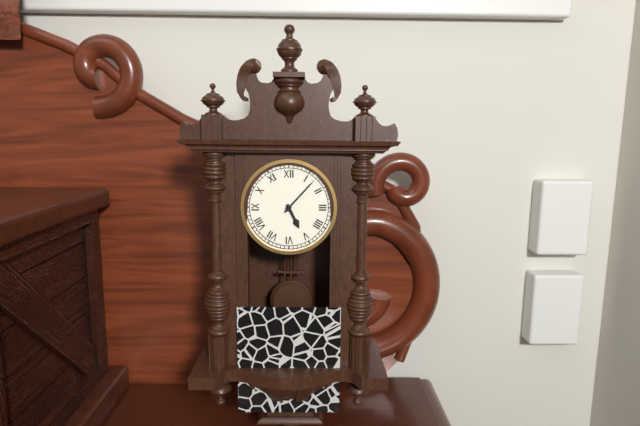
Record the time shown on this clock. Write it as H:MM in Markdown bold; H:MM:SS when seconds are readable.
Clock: **5:07**
